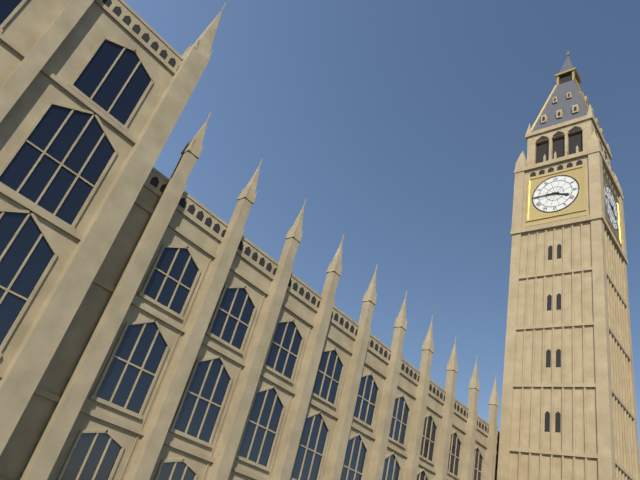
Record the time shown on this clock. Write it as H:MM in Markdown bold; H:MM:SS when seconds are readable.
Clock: **3:45**
